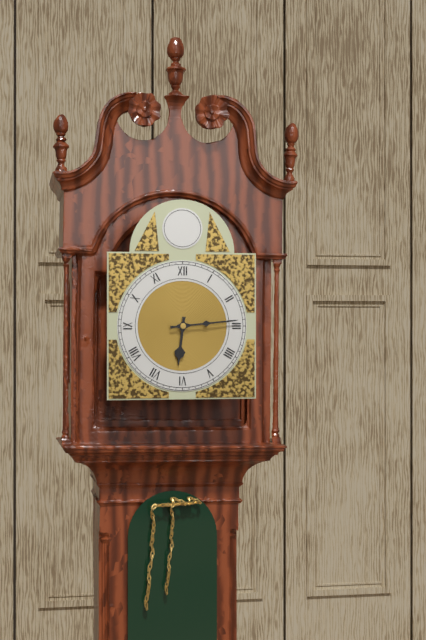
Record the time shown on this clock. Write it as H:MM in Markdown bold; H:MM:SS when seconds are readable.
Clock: **6:14**
